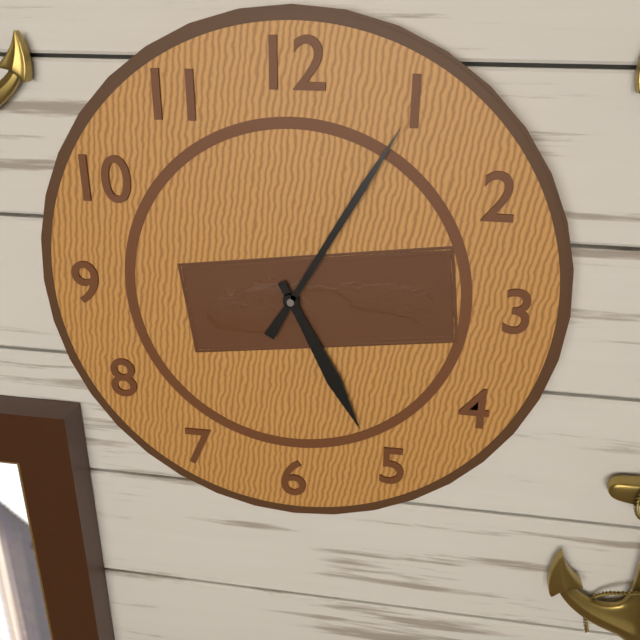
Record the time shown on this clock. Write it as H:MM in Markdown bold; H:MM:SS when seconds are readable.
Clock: **5:05**
